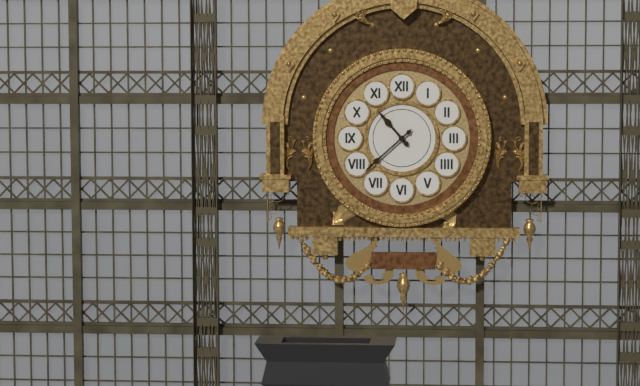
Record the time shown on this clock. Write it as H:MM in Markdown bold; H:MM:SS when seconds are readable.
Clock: **10:38**
